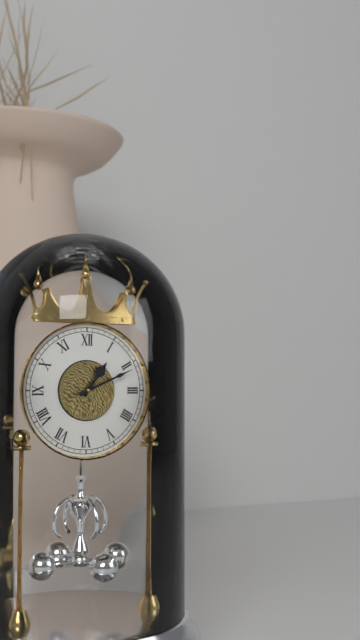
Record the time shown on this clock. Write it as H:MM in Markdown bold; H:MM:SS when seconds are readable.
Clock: **1:11**
